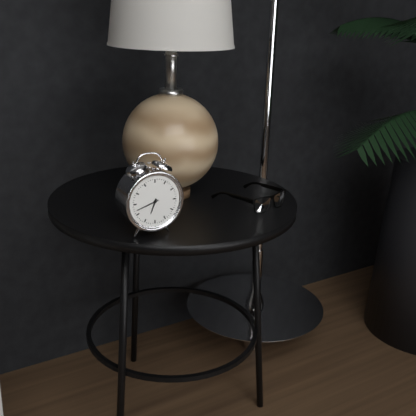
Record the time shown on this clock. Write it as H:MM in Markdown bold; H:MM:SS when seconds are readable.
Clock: **6:42**
